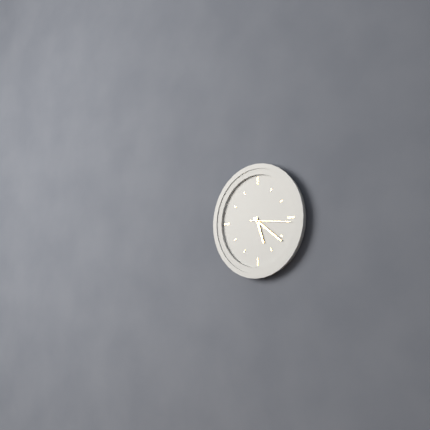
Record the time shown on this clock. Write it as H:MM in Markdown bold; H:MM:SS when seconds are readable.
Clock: **5:21**
